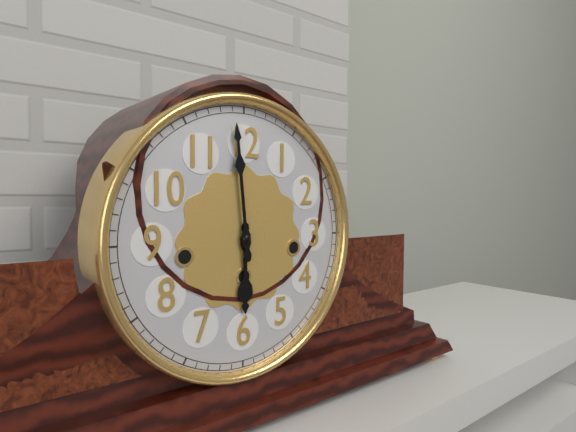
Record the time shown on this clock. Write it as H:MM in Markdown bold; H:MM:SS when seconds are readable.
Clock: **5:59**
